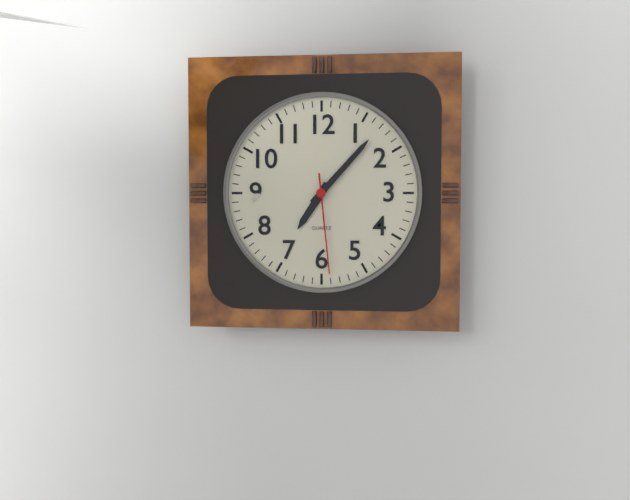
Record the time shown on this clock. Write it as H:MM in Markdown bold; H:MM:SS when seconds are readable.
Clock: **7:07:29**
